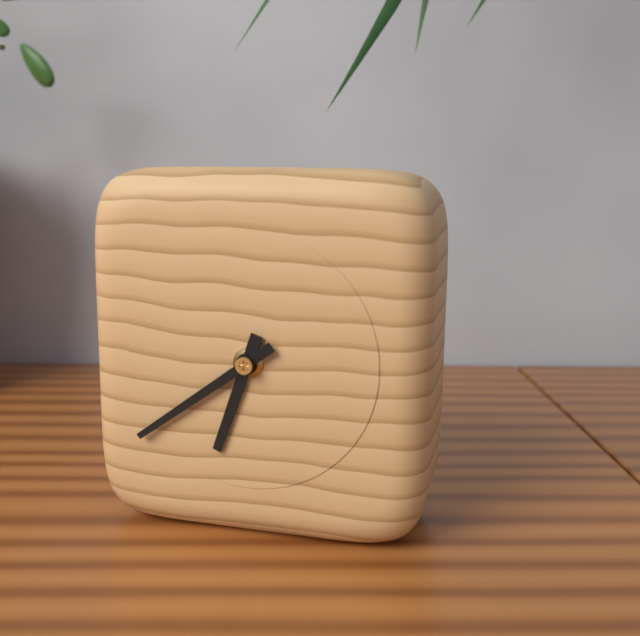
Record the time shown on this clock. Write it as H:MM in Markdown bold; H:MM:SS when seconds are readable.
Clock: **6:39**
